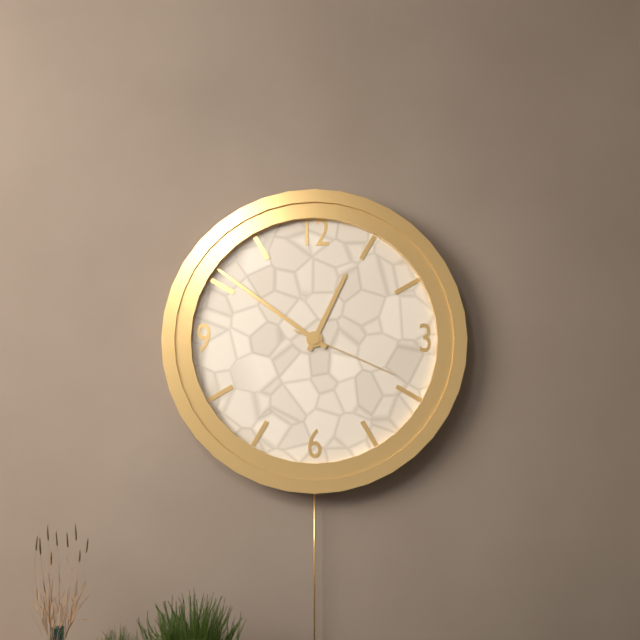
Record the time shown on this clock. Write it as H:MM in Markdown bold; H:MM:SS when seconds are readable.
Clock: **12:51:19**
